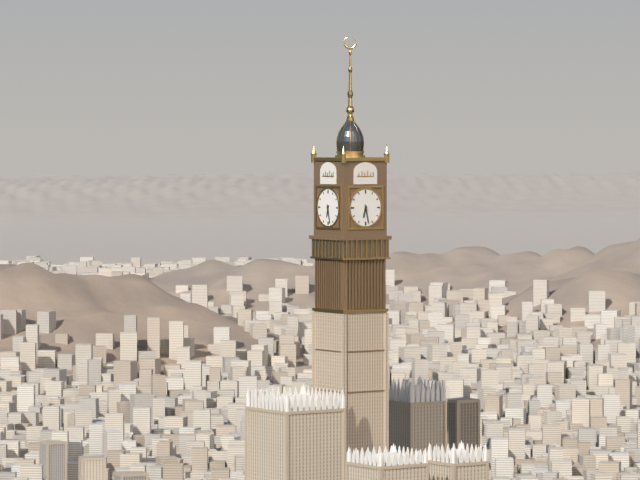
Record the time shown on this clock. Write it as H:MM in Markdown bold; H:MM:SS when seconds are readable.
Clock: **6:28**
